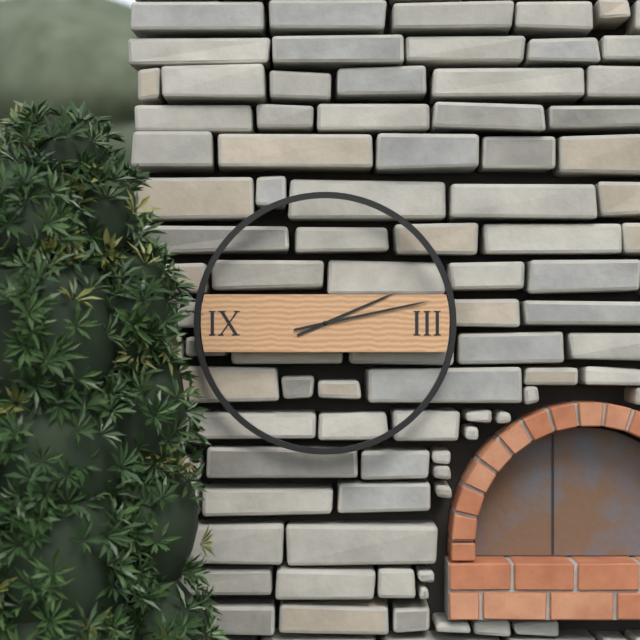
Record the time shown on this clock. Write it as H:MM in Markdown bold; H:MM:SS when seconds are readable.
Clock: **2:13**
